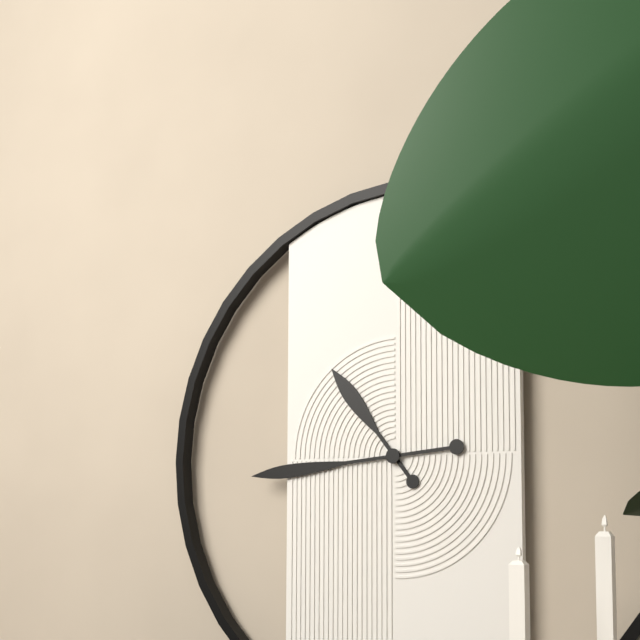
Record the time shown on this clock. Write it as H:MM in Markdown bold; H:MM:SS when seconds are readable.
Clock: **10:44**
